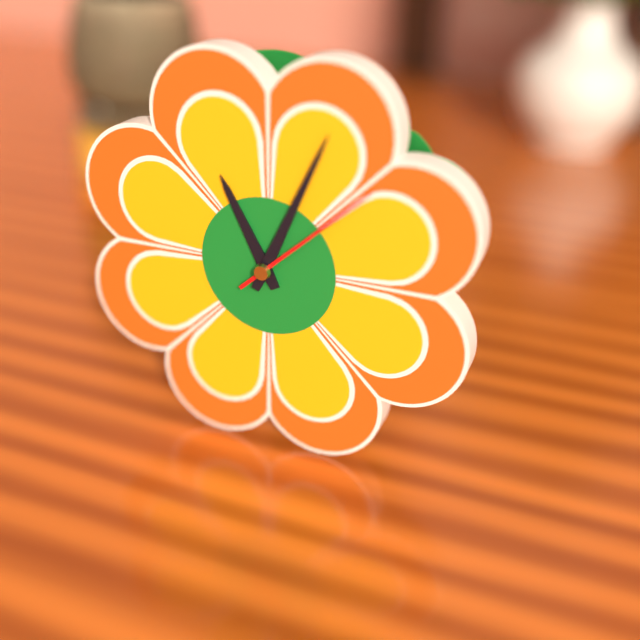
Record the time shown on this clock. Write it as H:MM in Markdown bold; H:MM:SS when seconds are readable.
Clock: **11:04:08**
